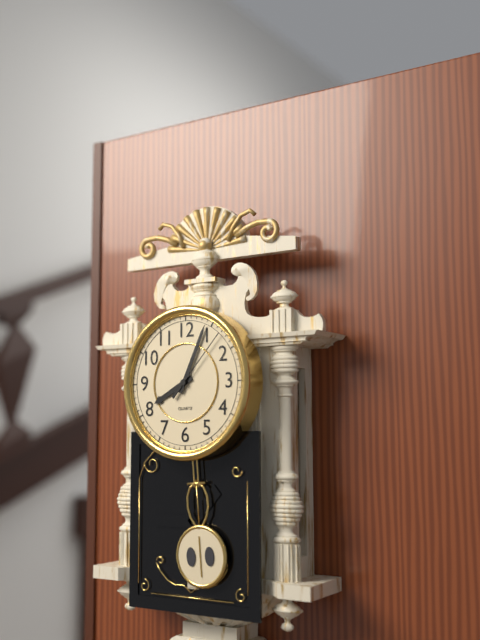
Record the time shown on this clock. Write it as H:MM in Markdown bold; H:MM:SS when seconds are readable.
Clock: **8:04:07**
